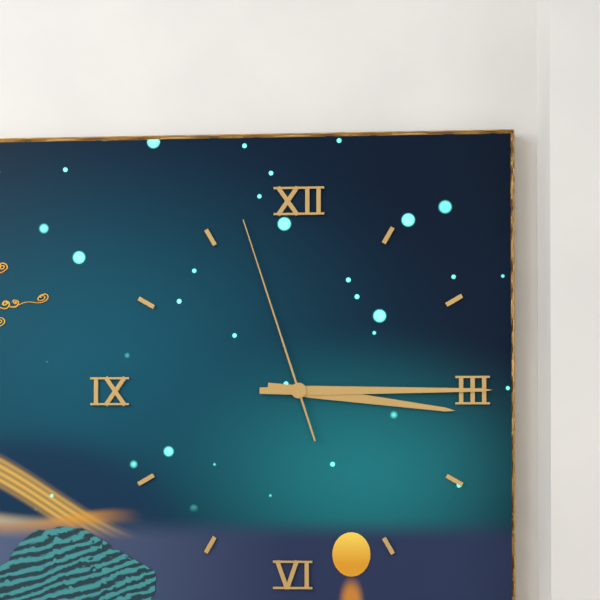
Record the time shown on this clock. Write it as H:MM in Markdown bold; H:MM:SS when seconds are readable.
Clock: **3:15:57**
